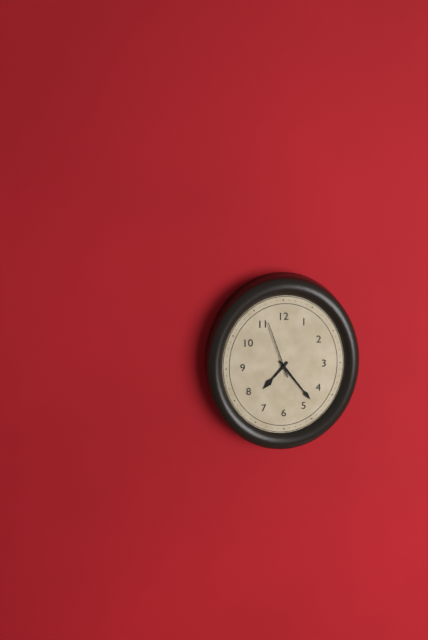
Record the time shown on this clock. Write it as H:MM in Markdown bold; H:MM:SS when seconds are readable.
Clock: **7:24:57**
